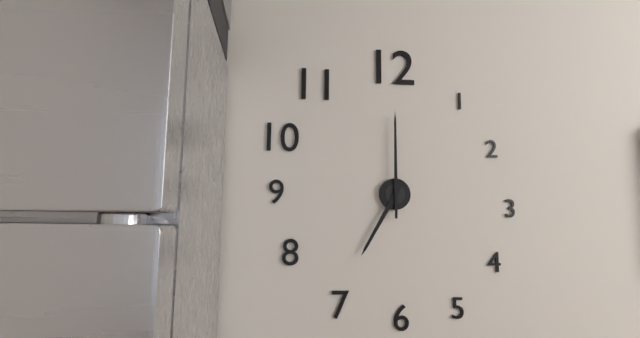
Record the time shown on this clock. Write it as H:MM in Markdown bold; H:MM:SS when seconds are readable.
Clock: **7:00**
